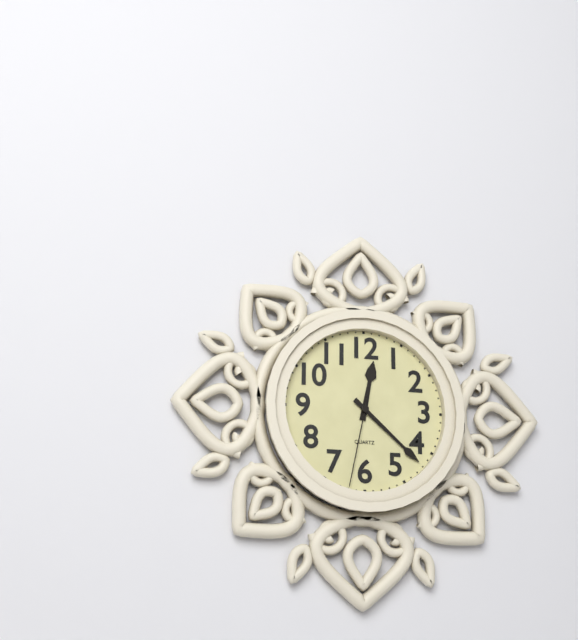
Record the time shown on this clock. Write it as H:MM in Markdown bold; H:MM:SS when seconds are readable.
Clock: **12:22:32**
